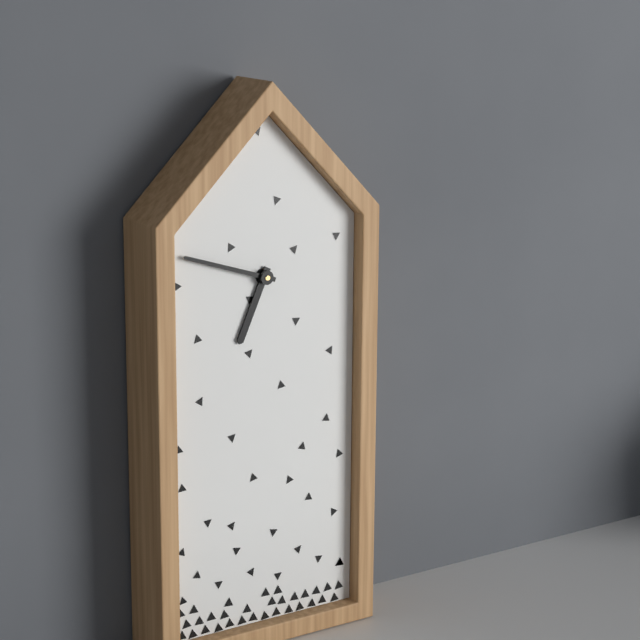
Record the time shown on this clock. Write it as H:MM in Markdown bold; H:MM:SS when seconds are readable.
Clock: **6:48**
